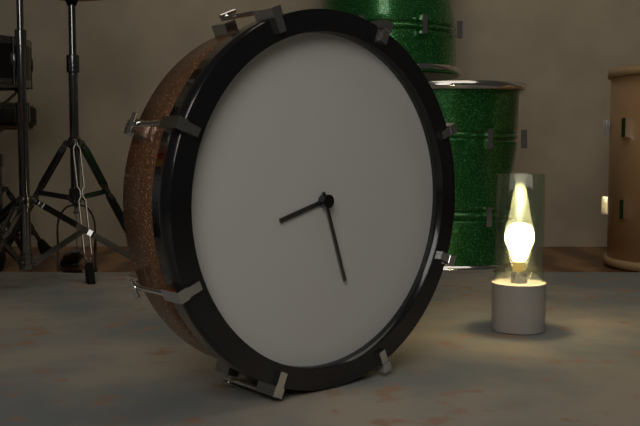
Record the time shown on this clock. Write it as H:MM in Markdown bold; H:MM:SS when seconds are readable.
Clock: **8:27**
